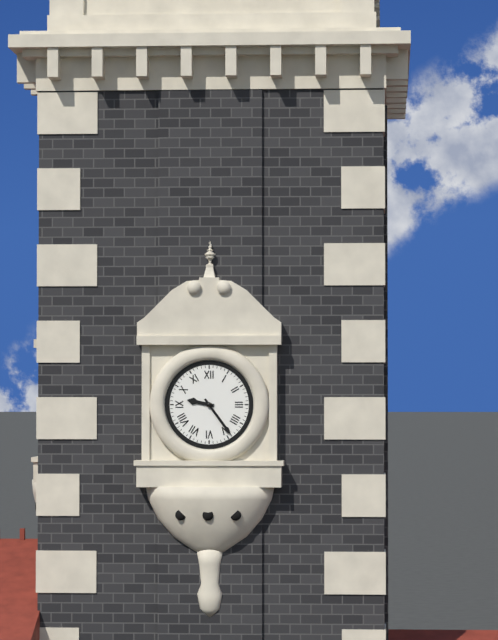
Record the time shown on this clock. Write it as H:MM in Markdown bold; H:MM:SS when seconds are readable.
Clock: **9:24**
